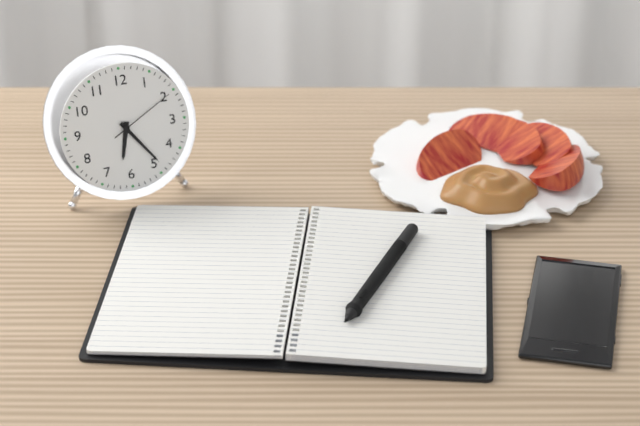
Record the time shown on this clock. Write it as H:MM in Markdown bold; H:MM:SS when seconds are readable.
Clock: **6:24:10**
